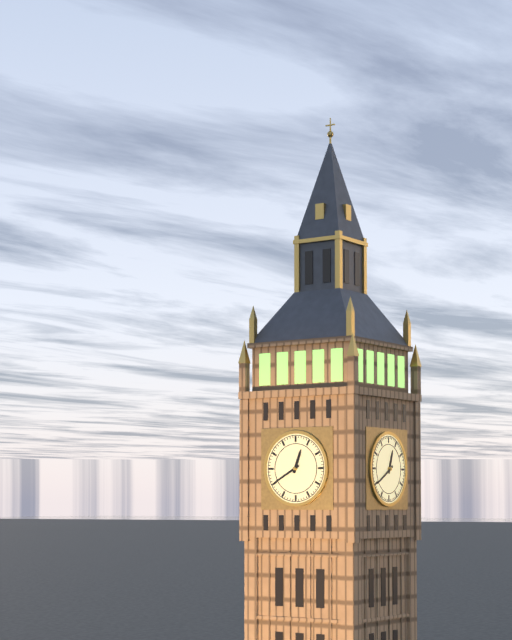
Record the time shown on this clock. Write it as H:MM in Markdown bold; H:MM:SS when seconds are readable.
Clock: **12:40**
